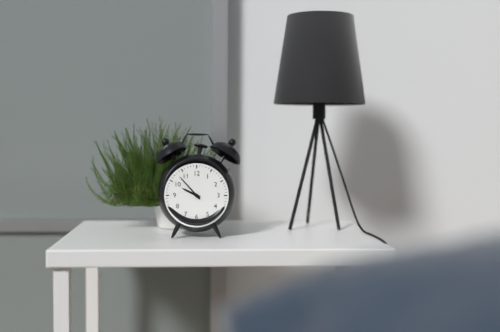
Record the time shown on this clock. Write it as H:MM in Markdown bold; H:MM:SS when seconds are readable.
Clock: **9:53**
